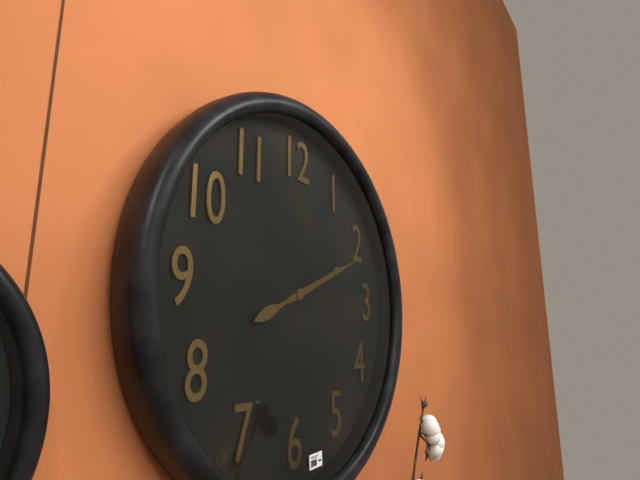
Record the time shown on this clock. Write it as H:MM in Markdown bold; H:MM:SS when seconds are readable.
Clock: **2:11**
